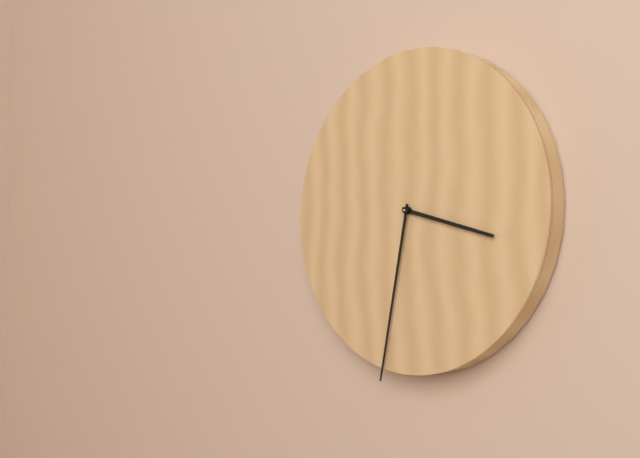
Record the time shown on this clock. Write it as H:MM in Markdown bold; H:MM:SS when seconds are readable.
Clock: **3:32**
